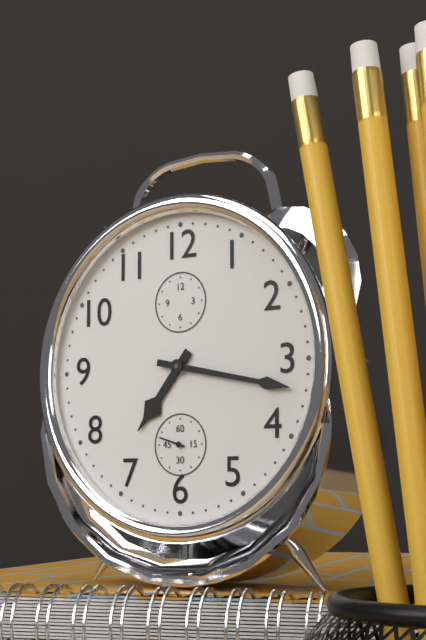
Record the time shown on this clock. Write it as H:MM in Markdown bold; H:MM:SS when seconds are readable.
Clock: **7:17**
